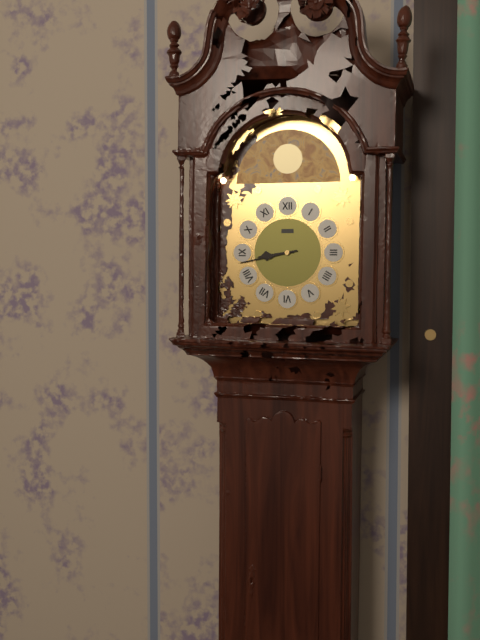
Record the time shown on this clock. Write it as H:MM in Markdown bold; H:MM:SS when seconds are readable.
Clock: **8:43**
